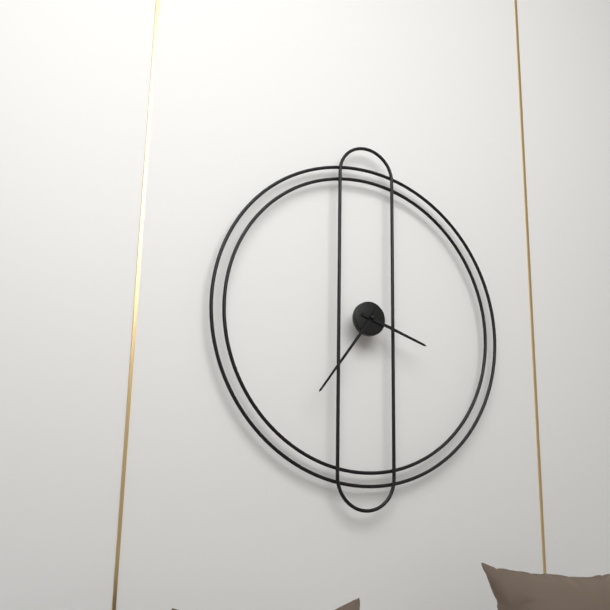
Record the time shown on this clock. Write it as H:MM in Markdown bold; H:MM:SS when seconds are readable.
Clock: **3:36**
